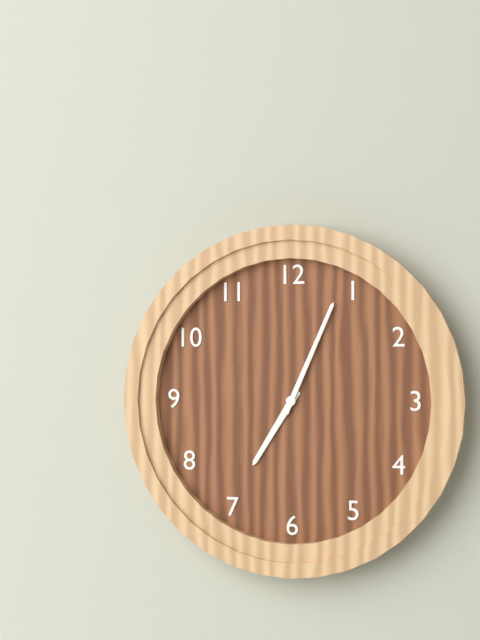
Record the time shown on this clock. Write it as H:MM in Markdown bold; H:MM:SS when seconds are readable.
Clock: **7:04**
